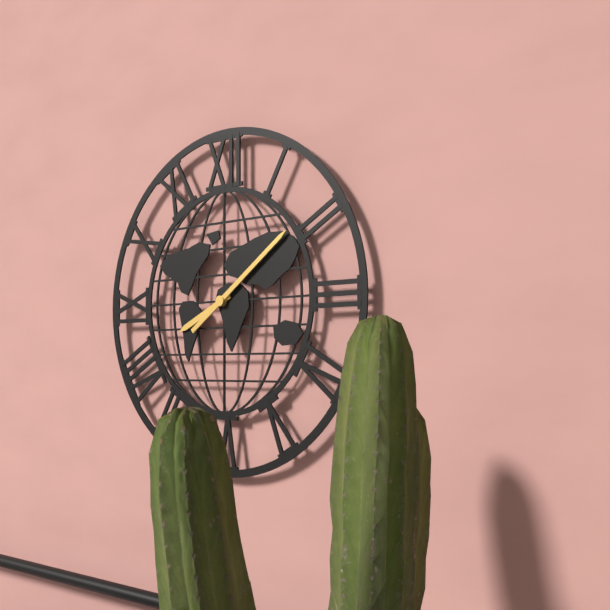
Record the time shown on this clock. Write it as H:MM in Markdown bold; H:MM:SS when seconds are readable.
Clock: **8:09**
